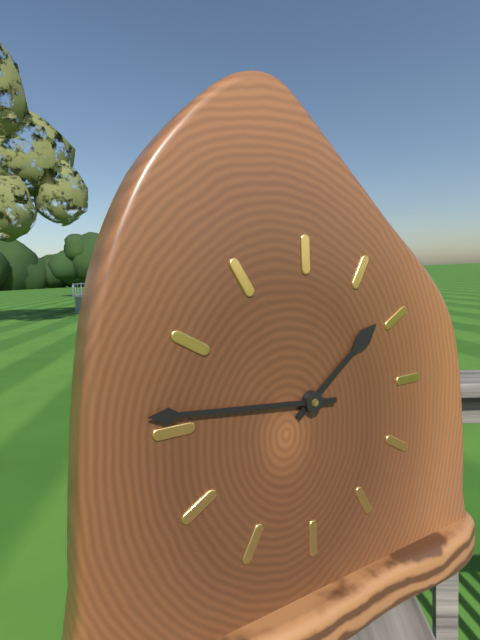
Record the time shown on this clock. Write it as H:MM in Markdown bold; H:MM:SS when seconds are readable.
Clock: **1:46**
